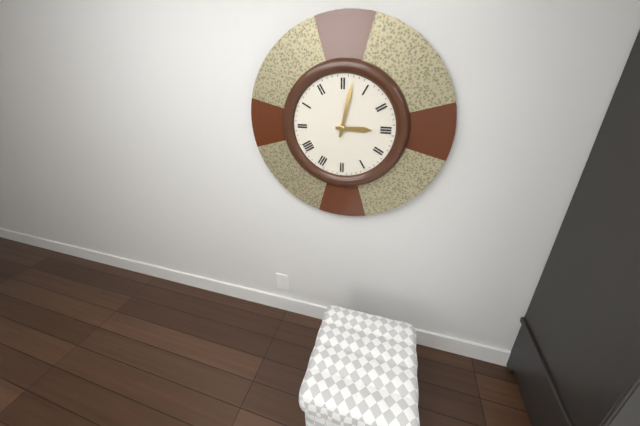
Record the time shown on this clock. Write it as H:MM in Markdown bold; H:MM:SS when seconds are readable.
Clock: **3:02**
